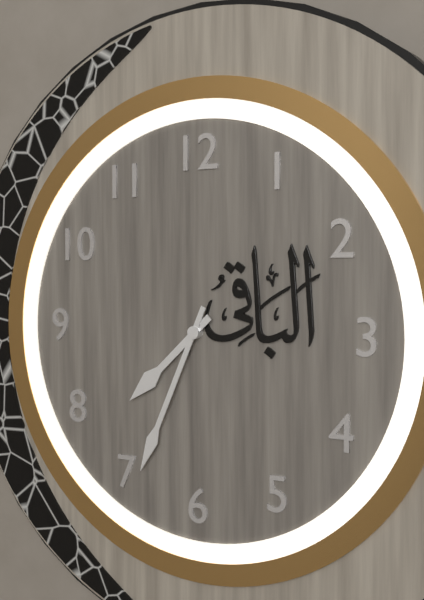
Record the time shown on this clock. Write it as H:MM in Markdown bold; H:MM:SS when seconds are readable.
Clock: **7:34**
